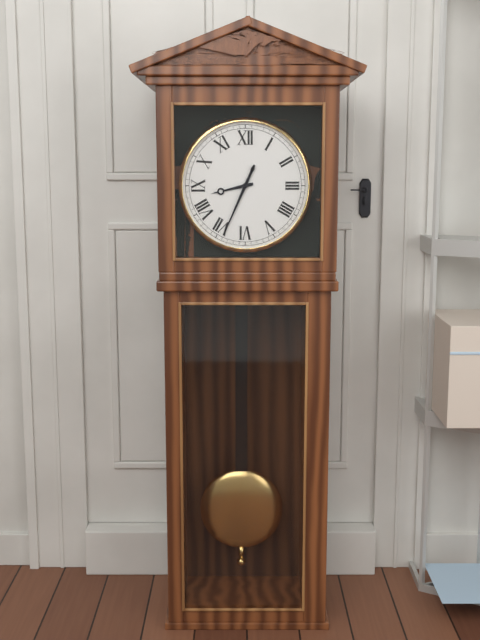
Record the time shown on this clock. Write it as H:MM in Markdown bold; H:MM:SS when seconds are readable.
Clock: **8:34**
